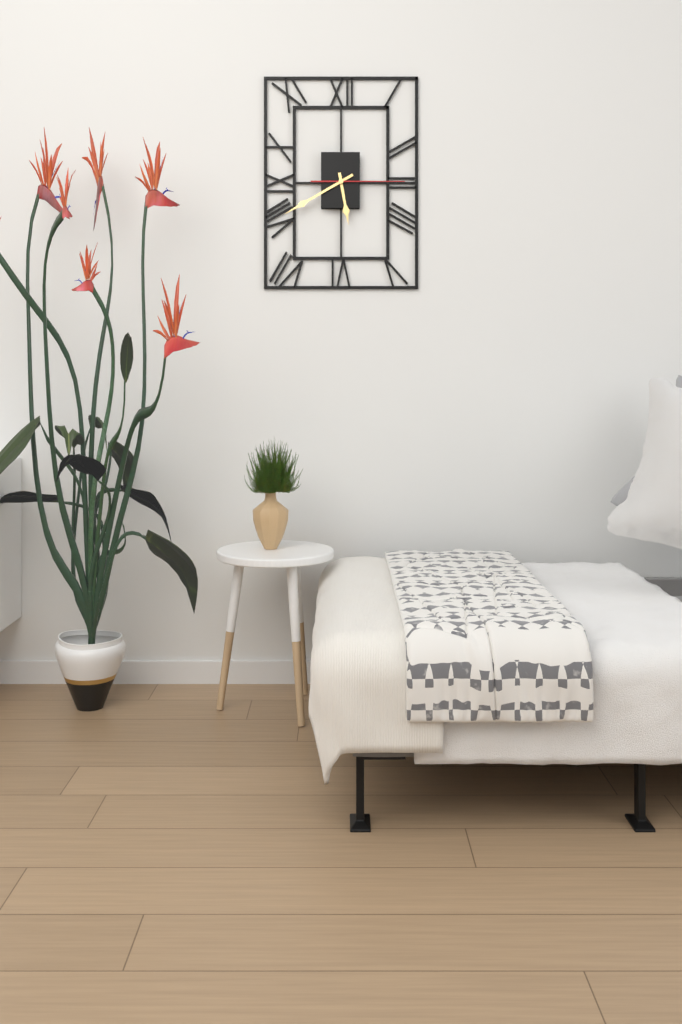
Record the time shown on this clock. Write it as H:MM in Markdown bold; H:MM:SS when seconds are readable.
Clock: **5:40:15**
